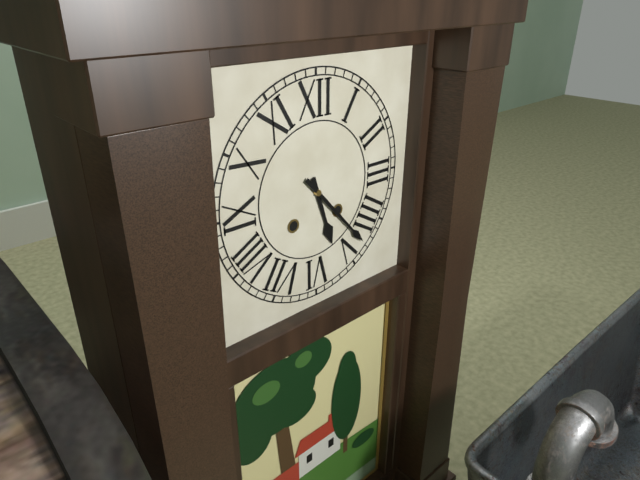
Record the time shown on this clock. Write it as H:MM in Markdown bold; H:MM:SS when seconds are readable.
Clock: **5:23**
